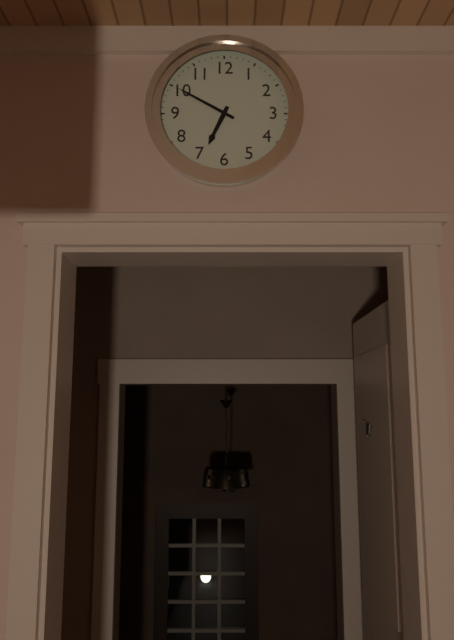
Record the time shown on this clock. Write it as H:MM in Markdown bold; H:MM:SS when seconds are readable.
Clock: **6:50**
